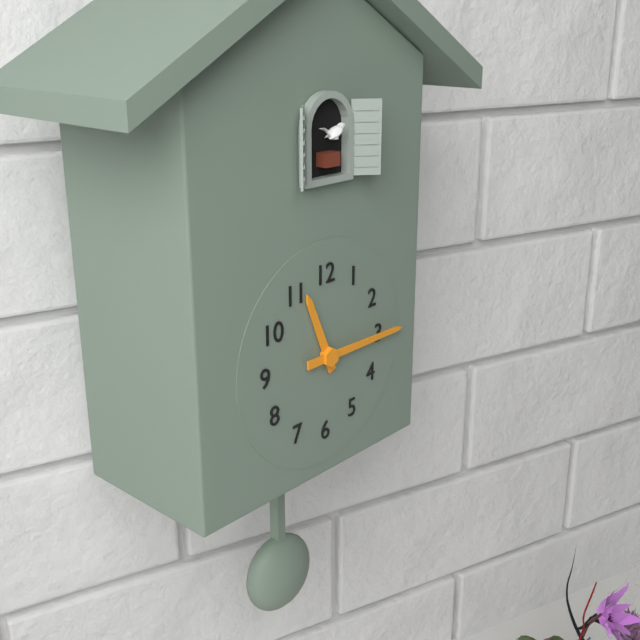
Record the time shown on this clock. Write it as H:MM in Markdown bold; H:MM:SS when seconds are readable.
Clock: **11:15**
